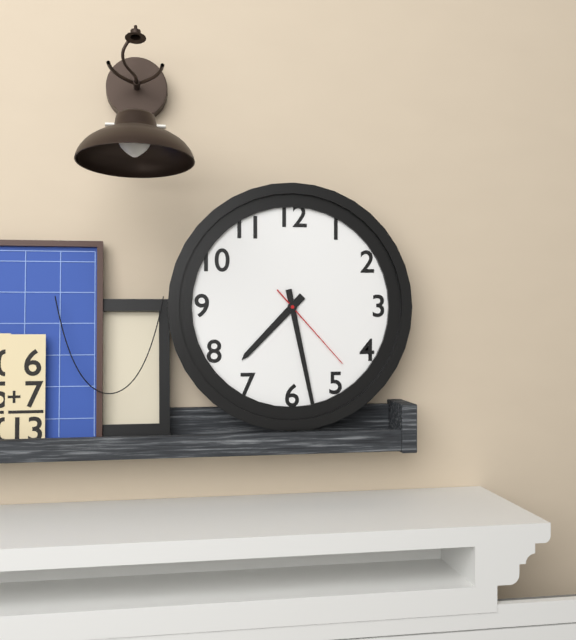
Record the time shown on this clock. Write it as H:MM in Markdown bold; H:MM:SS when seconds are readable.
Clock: **7:28:23**
